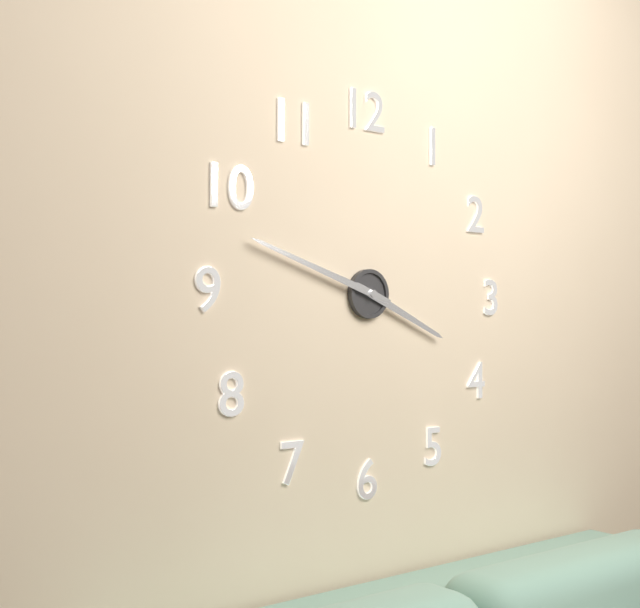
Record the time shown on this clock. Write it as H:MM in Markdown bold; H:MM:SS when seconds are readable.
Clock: **3:48**
